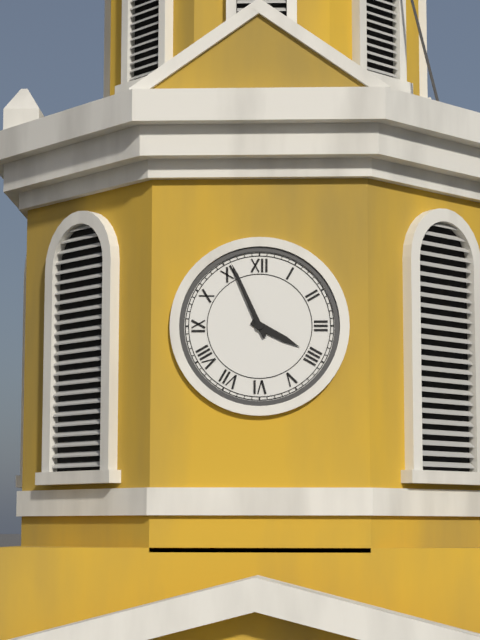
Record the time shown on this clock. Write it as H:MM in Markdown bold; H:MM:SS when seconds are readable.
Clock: **3:56**
